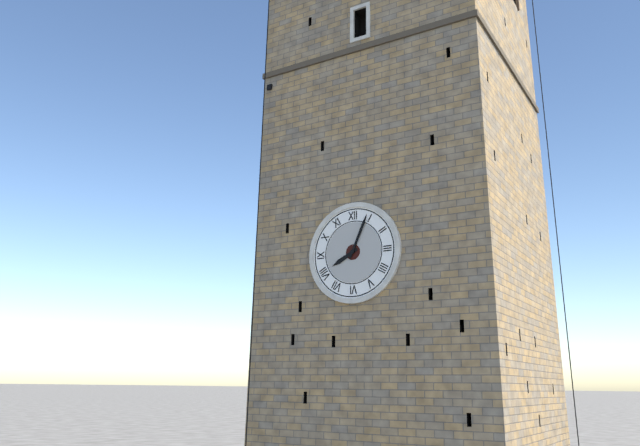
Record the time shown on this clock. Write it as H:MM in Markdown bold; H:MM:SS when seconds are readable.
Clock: **8:04**
